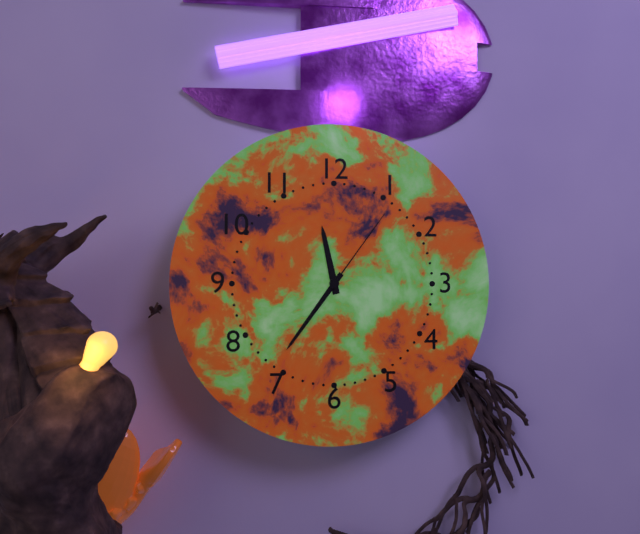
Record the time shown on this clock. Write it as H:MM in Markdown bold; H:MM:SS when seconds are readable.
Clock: **11:36:06**
